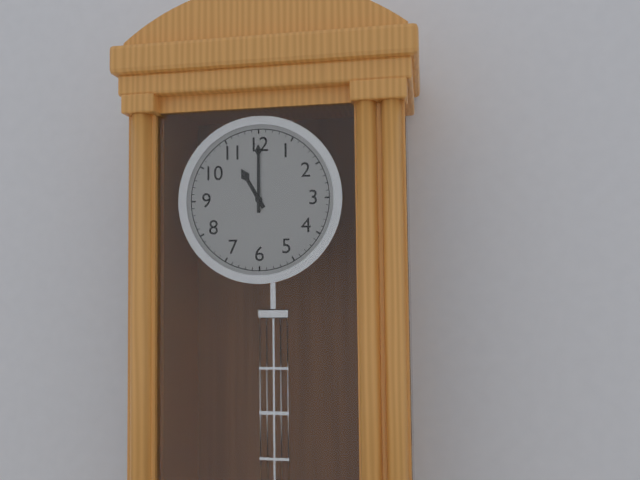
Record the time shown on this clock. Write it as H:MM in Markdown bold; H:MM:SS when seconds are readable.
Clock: **11:00**
